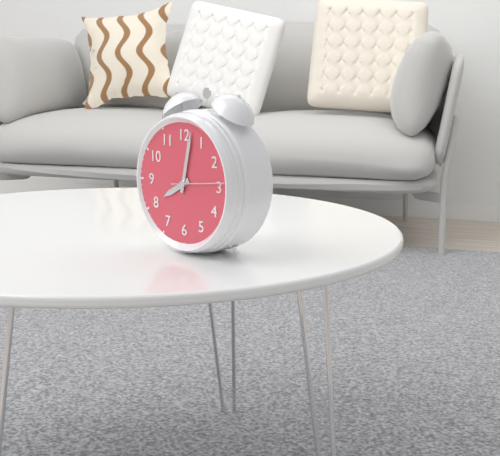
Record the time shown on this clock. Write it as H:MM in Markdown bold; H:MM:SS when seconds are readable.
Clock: **8:02:14**
